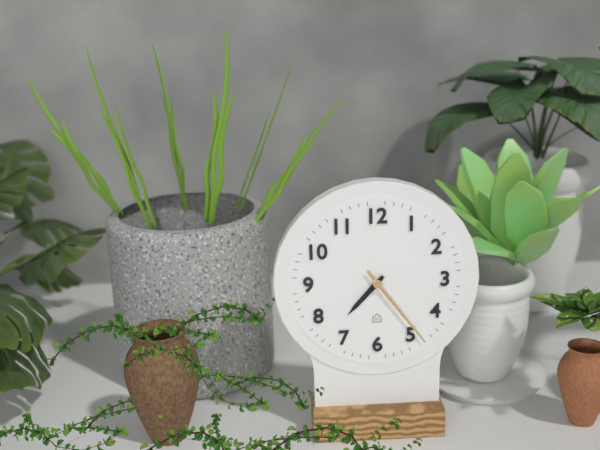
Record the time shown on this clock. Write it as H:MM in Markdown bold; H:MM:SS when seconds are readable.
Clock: **7:24**
